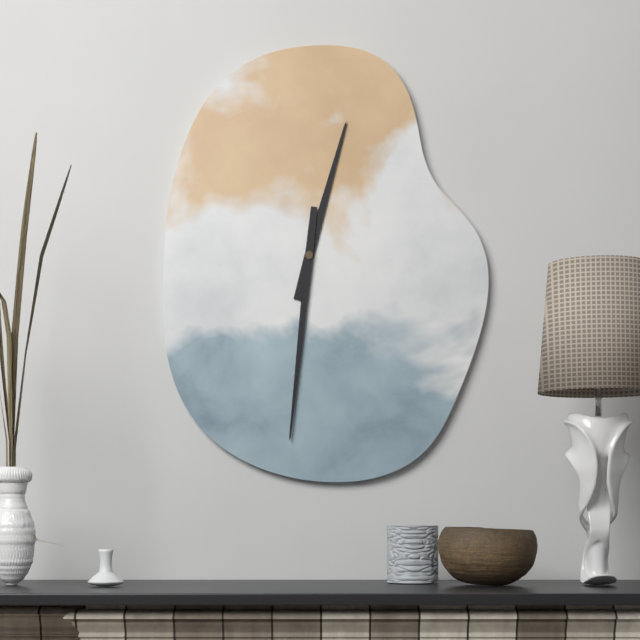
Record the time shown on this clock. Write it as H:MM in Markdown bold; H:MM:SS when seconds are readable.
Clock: **12:31**
